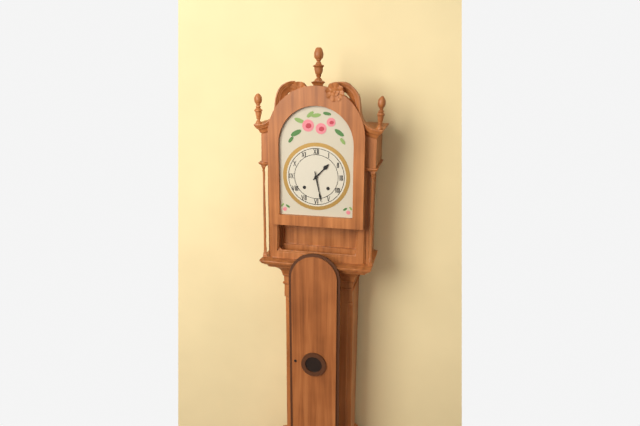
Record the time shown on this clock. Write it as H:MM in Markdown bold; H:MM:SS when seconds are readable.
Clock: **1:28**
